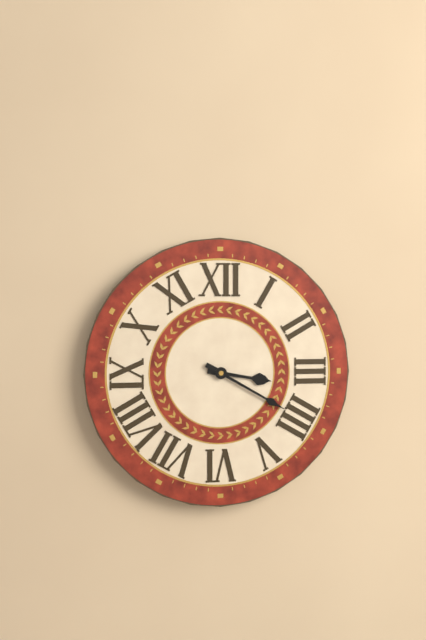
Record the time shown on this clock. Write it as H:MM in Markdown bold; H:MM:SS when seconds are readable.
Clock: **3:20**
